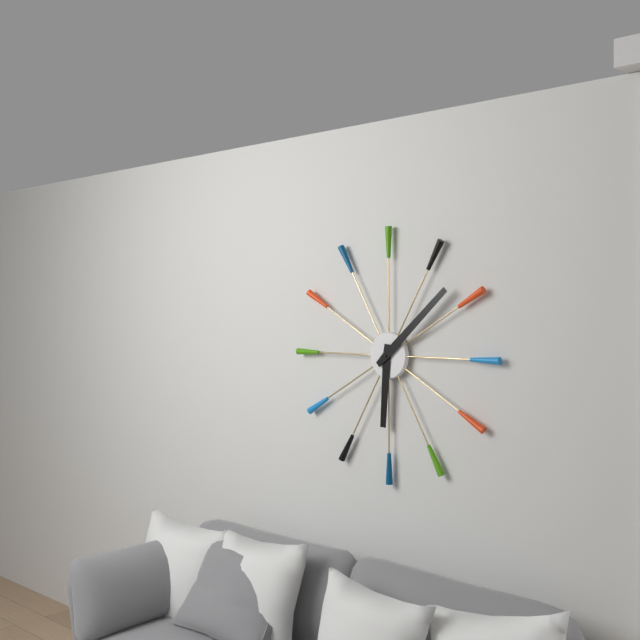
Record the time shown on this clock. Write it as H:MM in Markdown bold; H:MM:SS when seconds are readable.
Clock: **6:08**
